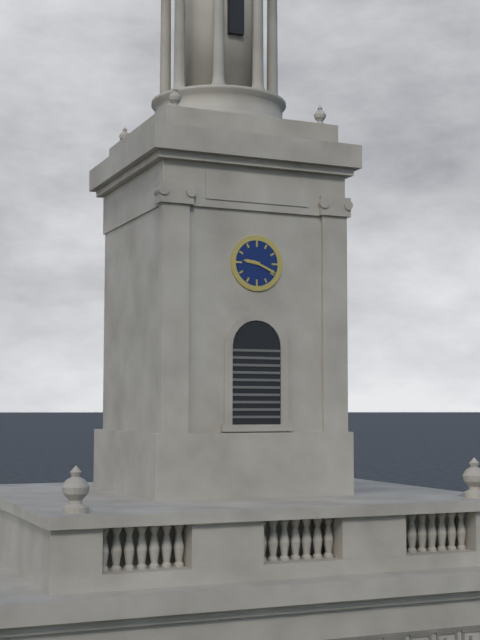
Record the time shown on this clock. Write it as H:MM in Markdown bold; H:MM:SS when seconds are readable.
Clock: **9:19**
